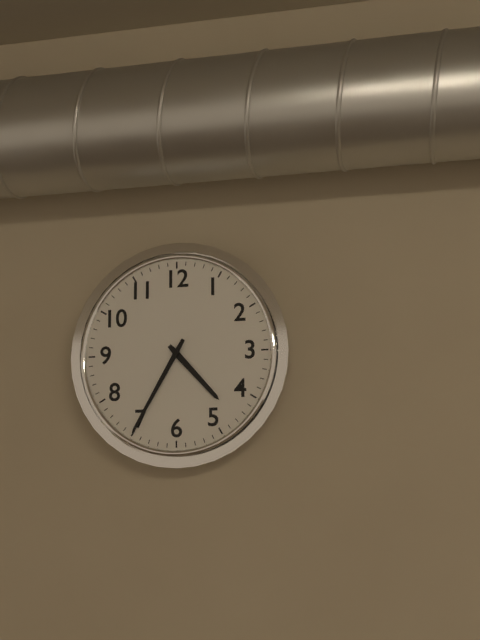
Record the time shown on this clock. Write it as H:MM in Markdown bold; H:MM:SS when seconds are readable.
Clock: **4:35**
